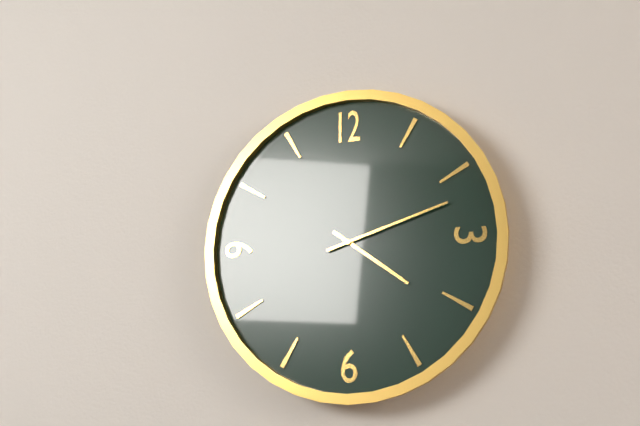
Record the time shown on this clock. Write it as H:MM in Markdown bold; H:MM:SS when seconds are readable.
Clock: **4:12**
